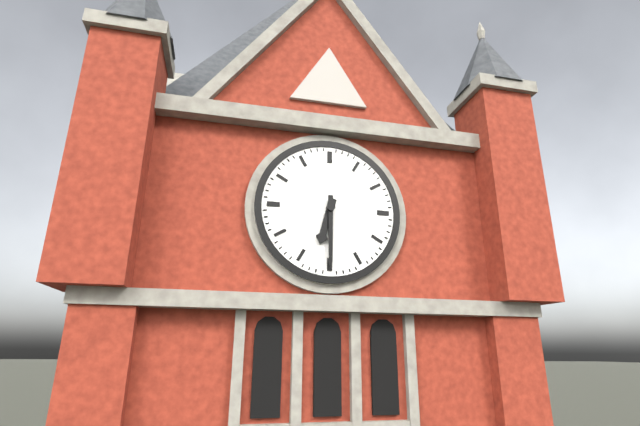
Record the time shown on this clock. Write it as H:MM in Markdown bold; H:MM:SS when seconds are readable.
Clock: **6:30**
